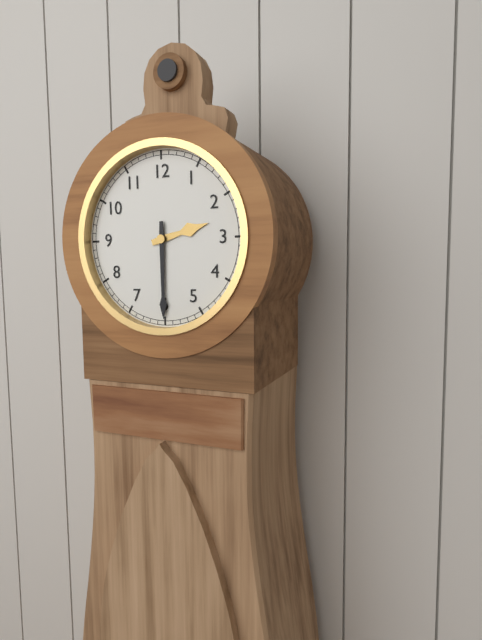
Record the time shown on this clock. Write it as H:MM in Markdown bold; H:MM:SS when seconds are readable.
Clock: **2:30**
